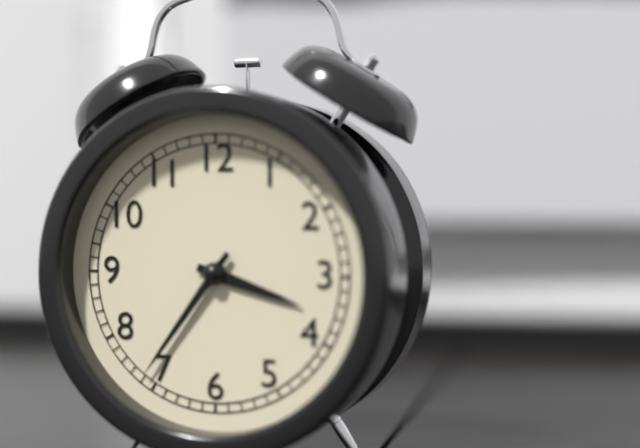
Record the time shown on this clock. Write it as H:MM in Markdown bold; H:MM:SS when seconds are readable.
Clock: **3:36**
